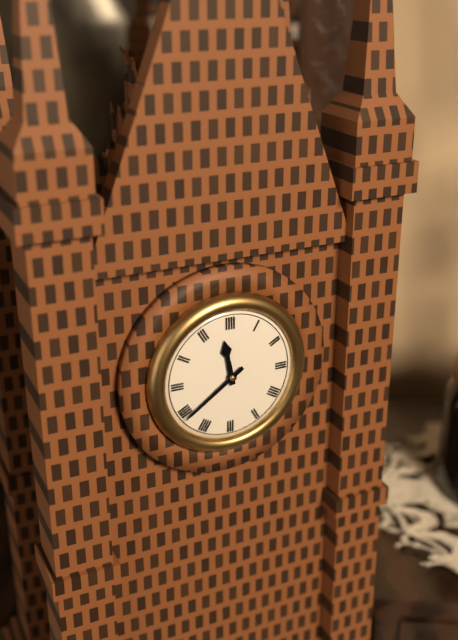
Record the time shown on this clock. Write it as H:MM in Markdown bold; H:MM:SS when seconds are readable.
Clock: **11:39**
